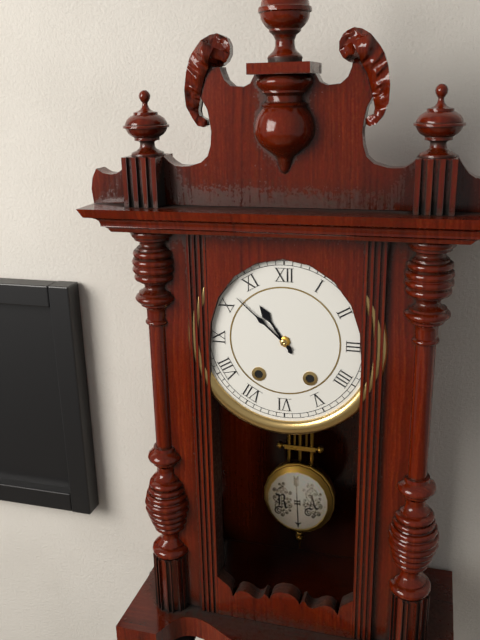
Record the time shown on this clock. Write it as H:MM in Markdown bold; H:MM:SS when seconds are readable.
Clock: **10:52**
